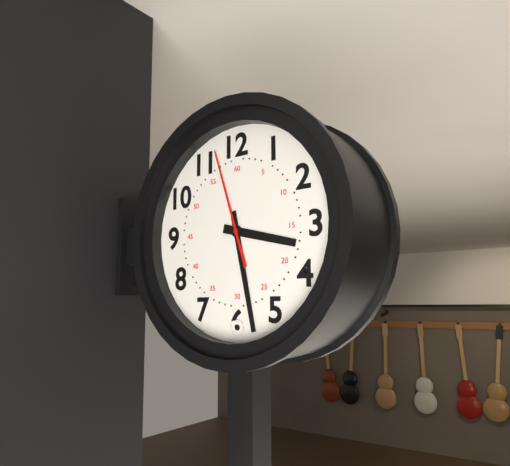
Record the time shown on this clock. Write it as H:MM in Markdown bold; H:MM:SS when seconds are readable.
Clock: **3:28:57**
